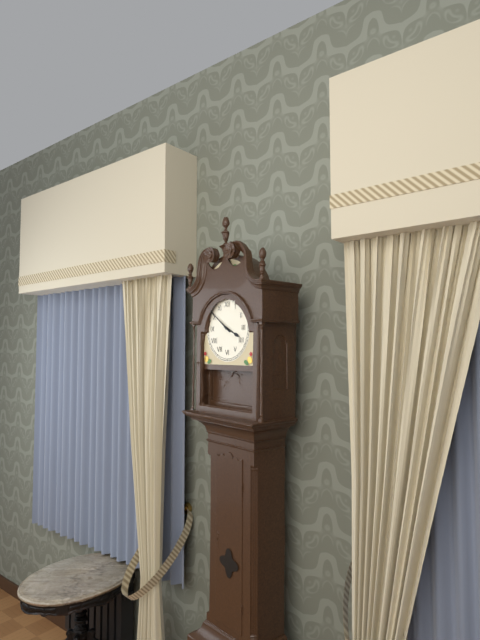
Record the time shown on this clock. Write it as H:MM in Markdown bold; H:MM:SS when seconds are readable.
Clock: **3:51**
